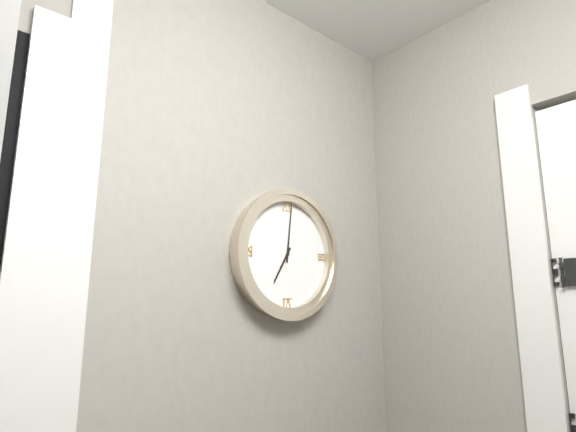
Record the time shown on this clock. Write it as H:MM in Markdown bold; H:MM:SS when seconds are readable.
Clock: **7:01**
